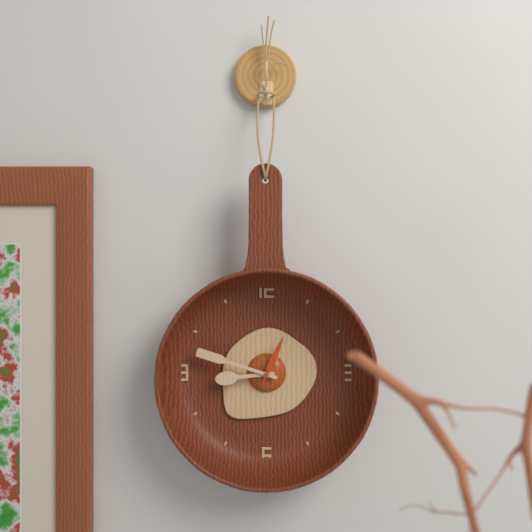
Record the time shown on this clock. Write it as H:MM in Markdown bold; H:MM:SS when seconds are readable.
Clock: **8:48:04**
